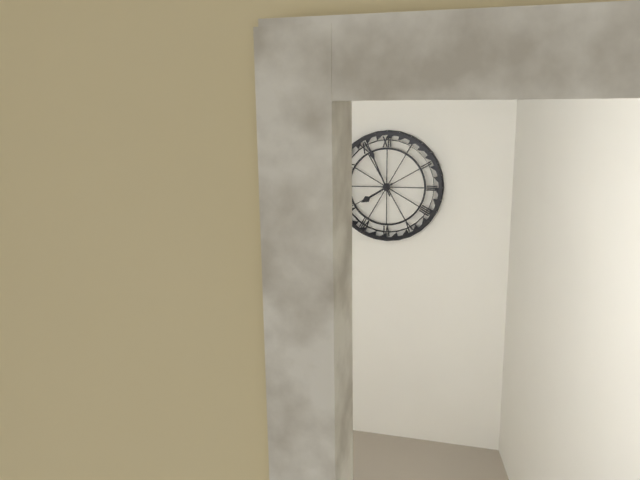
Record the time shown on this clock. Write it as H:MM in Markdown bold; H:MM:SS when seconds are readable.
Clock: **7:56**
